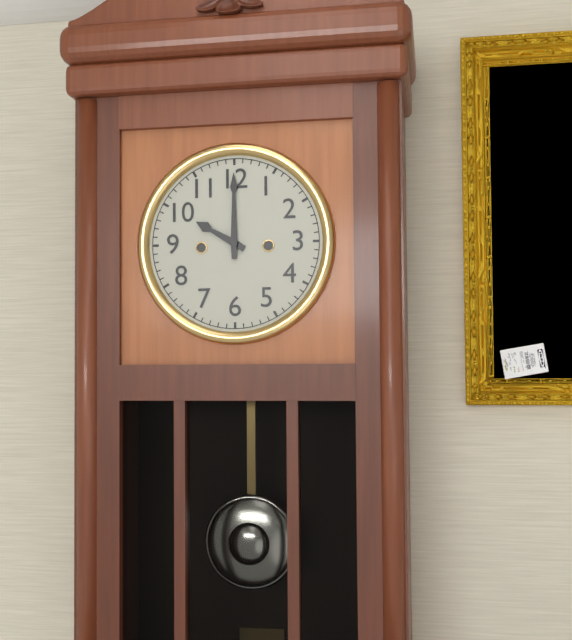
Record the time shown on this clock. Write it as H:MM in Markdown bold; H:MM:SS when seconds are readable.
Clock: **10:00**
